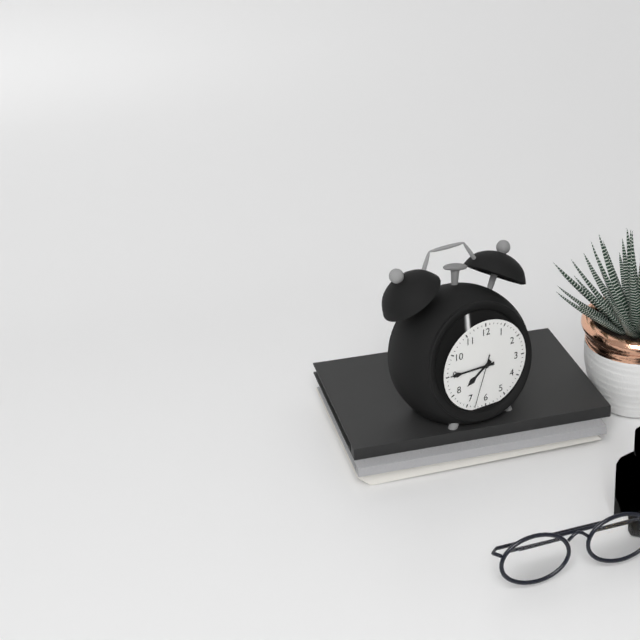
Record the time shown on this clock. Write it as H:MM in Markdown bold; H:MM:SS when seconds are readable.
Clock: **7:45:33**
